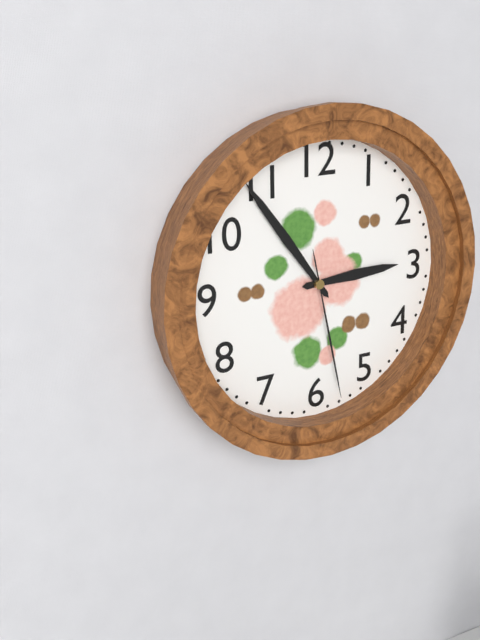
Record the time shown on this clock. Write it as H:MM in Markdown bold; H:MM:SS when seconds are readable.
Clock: **2:54:28**
